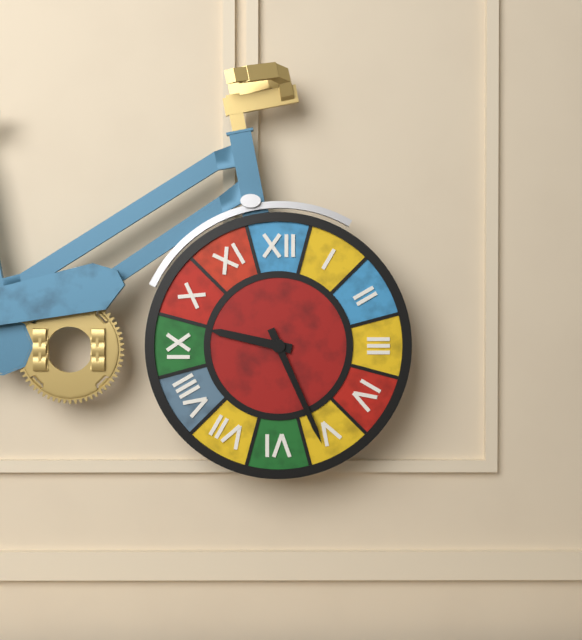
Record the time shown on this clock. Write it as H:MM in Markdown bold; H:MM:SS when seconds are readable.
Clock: **9:26**
